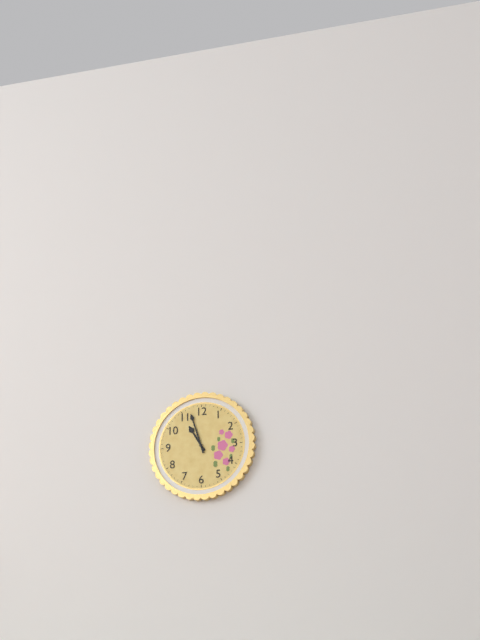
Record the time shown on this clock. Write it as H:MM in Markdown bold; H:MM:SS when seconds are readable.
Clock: **10:57**
